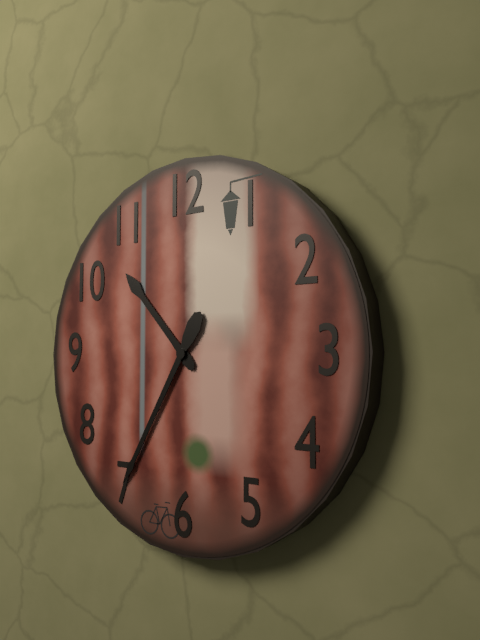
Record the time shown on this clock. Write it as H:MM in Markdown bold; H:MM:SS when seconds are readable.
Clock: **10:35**
